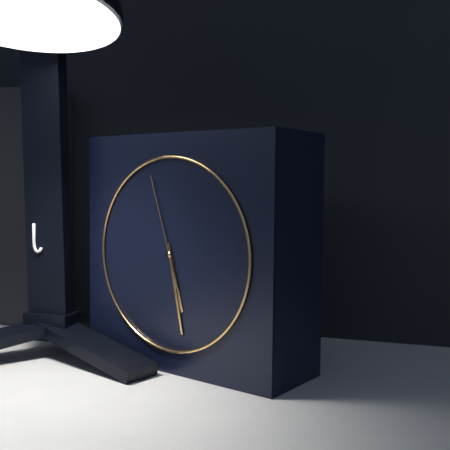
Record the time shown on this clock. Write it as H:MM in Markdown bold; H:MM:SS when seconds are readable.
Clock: **5:28:57**
